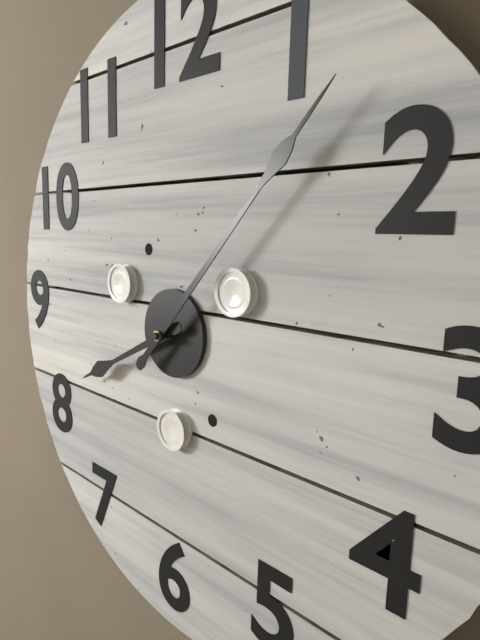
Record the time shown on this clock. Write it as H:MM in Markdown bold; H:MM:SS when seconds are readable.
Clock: **8:07**
